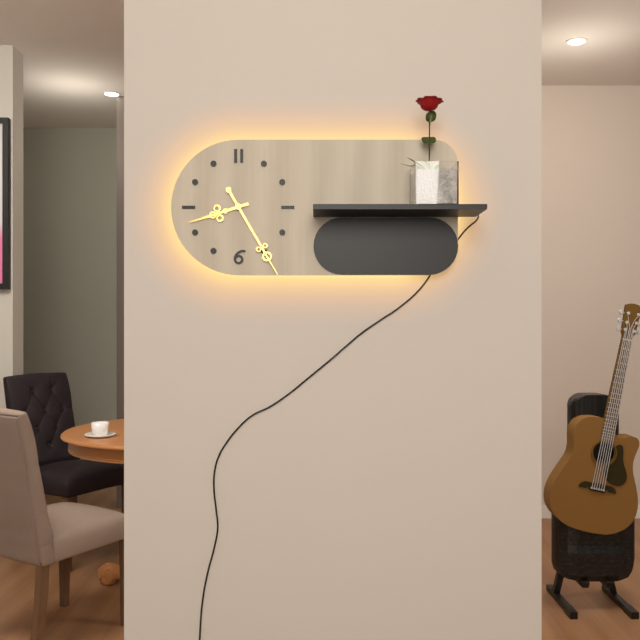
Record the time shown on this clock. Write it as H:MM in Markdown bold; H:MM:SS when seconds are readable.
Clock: **8:25**
